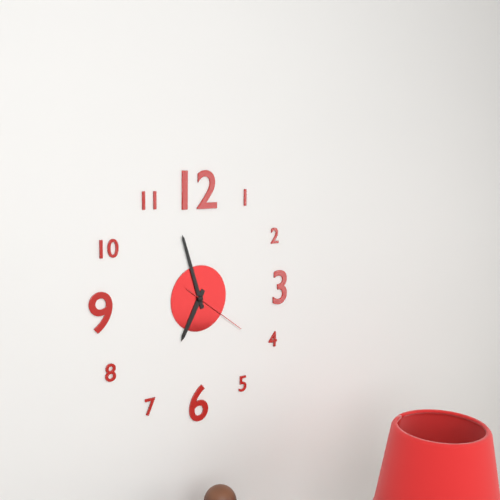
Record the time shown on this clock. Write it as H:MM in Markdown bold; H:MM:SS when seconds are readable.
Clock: **6:57:21**
